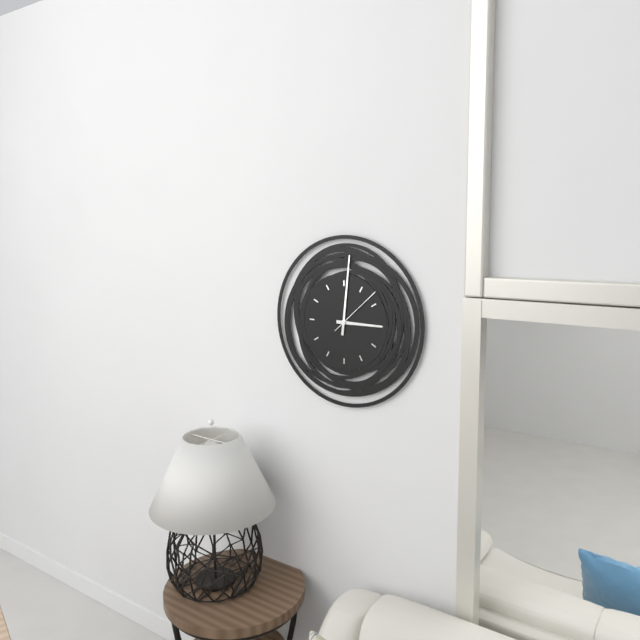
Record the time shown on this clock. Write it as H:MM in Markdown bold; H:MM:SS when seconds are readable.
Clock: **3:01:08**
